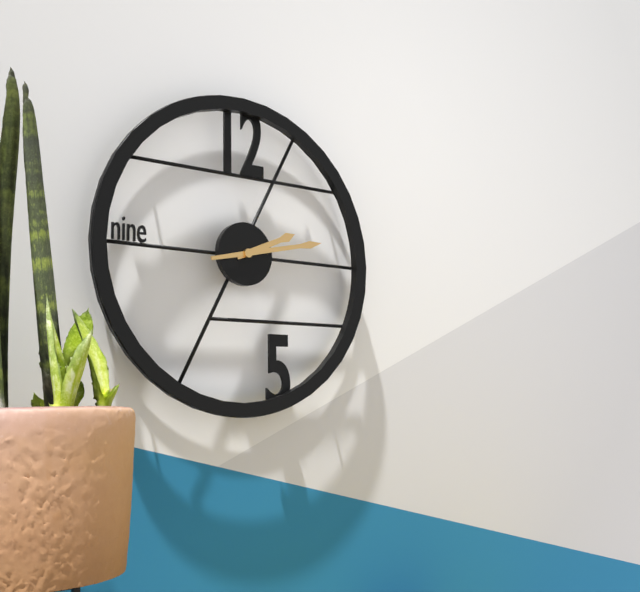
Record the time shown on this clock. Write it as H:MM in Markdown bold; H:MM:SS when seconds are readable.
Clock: **2:13**
